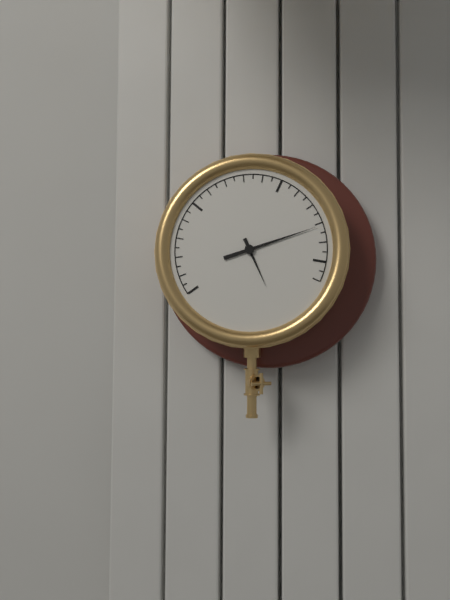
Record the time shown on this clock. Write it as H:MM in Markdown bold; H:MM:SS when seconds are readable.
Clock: **5:12**
